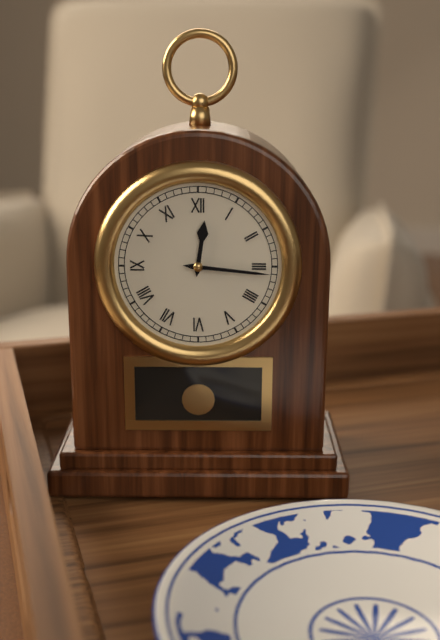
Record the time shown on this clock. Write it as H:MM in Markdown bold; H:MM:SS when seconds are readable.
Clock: **12:16**
